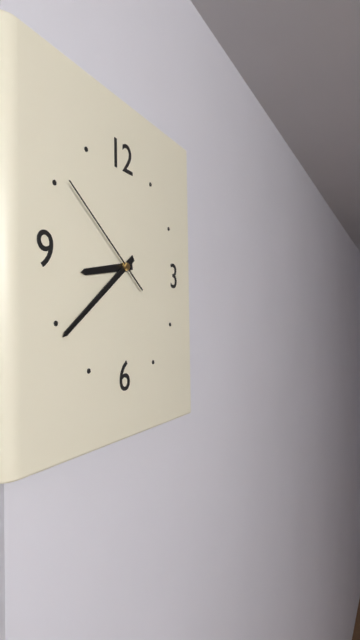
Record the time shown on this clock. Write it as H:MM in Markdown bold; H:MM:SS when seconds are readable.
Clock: **8:39:51**
